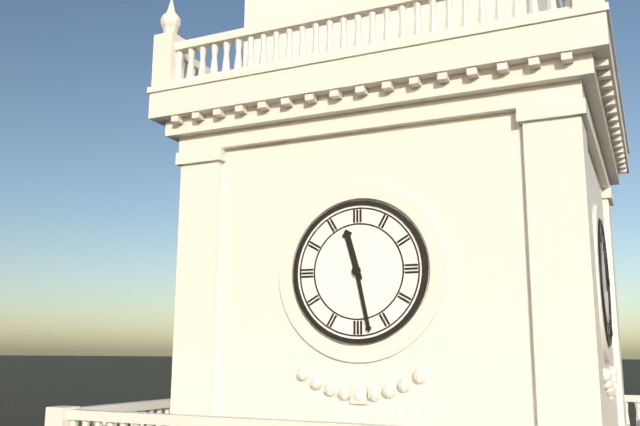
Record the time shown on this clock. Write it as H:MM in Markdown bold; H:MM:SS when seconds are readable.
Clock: **11:28**
